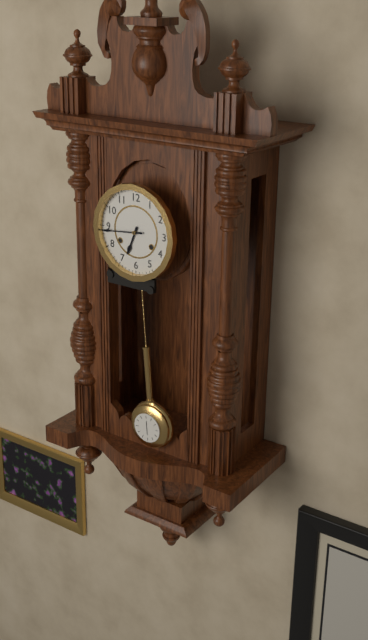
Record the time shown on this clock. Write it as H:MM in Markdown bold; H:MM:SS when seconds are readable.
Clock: **6:44**
